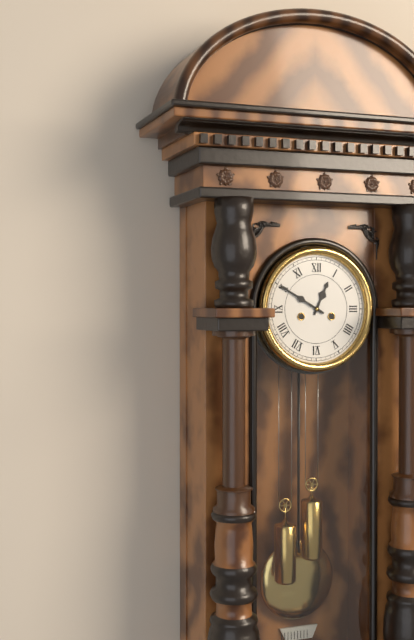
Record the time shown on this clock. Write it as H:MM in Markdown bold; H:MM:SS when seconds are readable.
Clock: **12:50**
